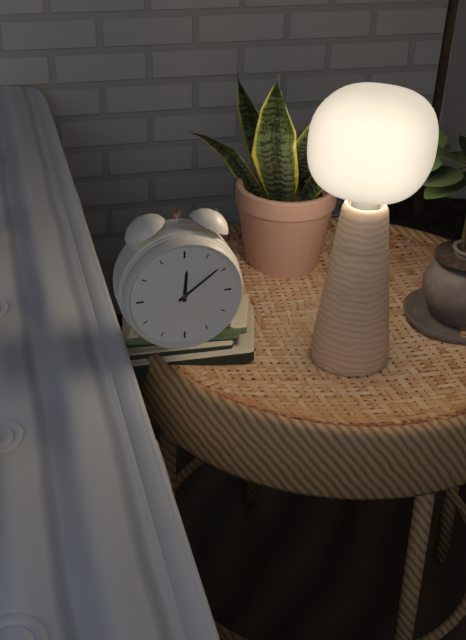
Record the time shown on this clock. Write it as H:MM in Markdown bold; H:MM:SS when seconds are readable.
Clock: **12:09**
